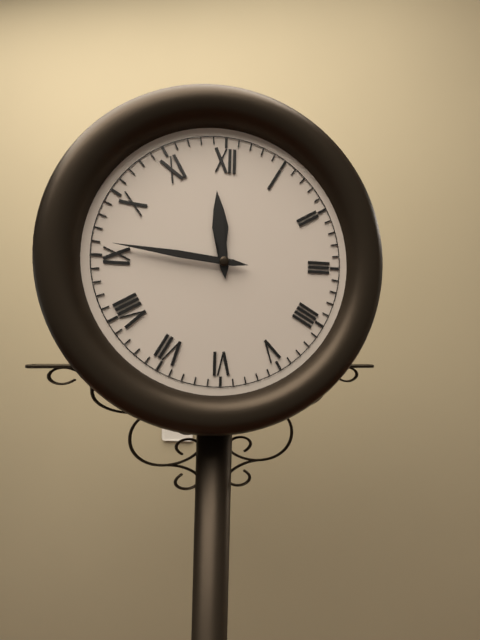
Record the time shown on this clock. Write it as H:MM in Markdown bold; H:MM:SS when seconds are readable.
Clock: **11:46**
